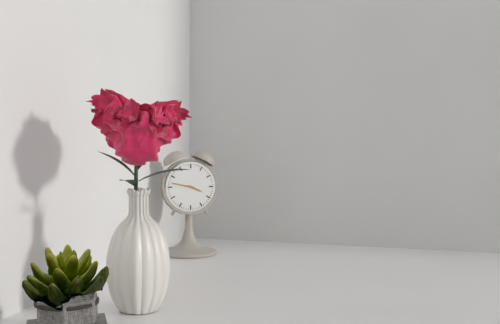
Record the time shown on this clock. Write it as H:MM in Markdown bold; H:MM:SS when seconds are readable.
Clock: **3:47**
